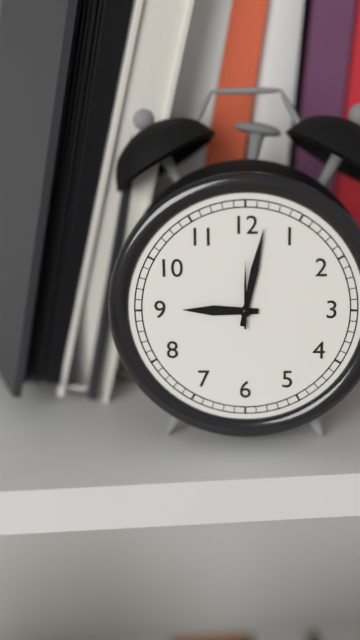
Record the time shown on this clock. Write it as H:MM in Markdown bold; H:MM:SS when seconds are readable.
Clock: **9:02:00**
